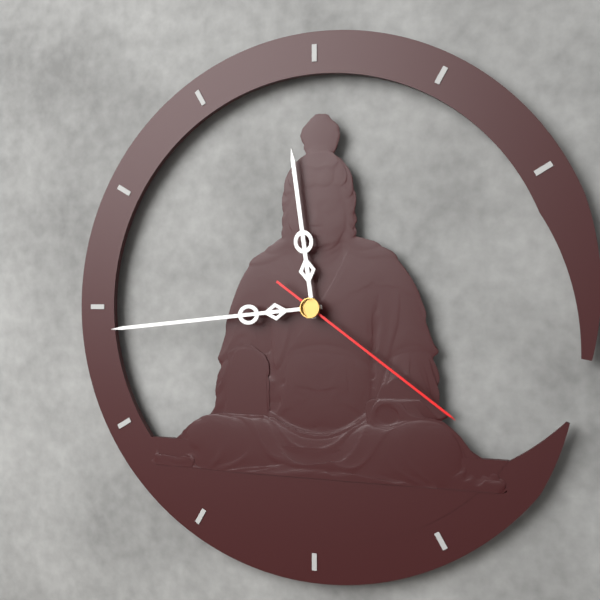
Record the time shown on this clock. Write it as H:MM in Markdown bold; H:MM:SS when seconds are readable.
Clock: **11:44:21**
